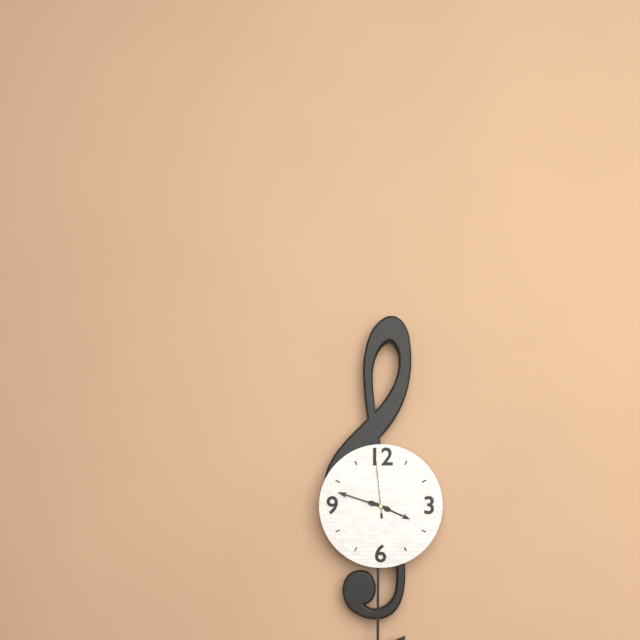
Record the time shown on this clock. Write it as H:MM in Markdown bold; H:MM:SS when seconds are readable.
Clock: **3:48:59**
